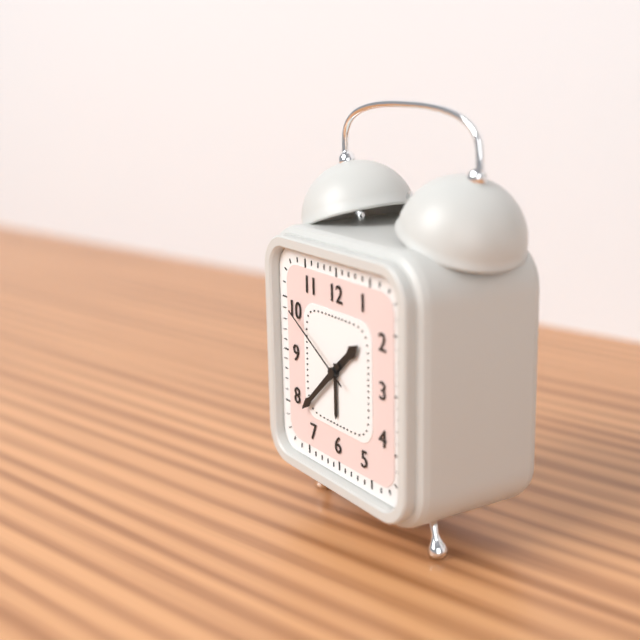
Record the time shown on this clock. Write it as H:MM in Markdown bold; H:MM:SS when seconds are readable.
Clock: **1:38:50**
